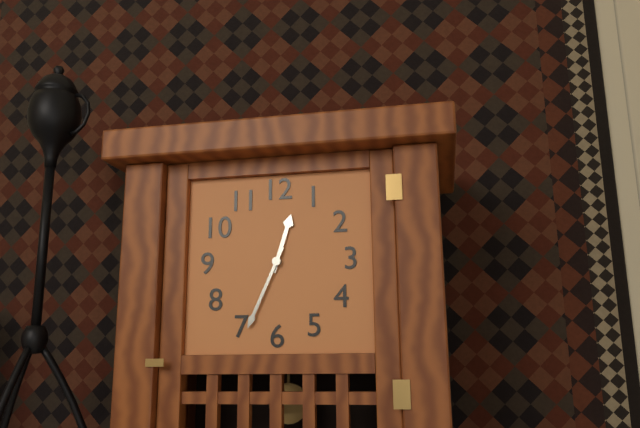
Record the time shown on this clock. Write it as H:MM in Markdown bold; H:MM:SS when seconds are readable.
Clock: **12:34**
